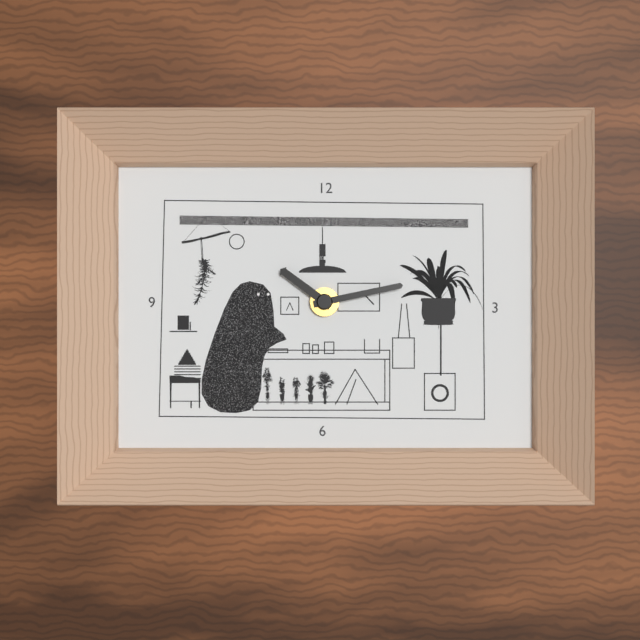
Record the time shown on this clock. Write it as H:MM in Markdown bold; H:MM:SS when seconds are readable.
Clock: **10:13**
